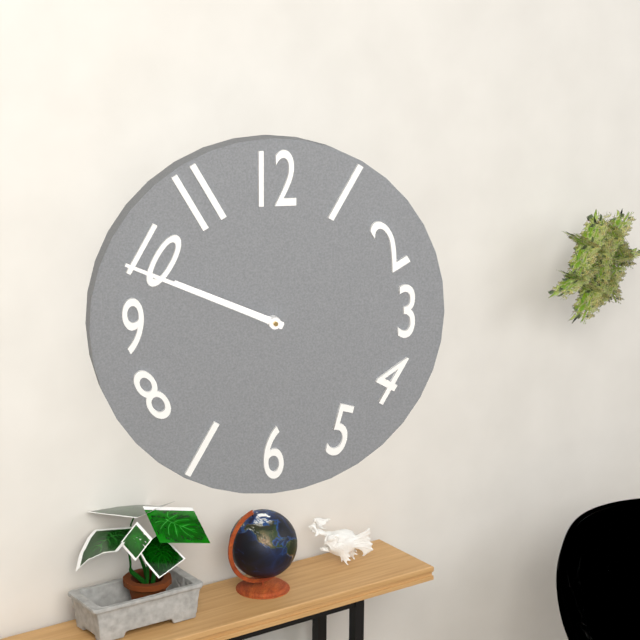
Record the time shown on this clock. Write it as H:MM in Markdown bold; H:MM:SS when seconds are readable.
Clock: **9:49**
